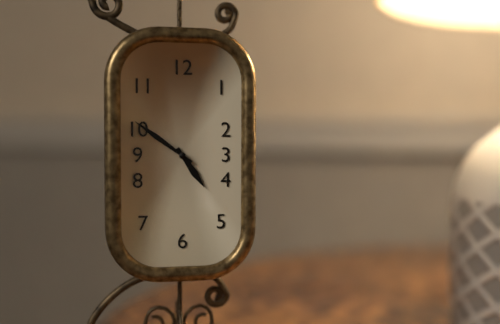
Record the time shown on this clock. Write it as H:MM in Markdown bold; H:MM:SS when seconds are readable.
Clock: **4:51**
